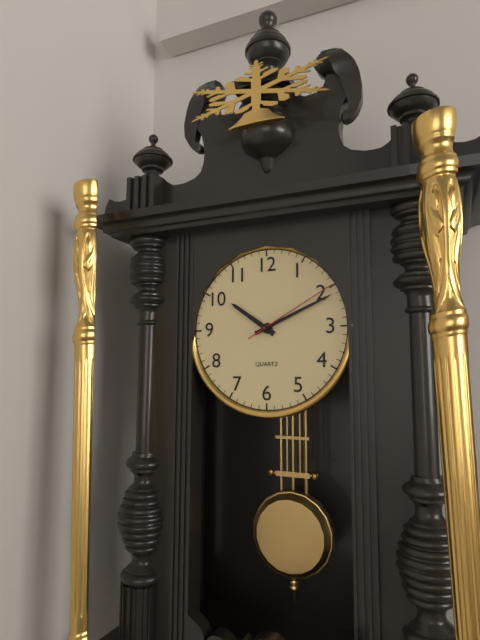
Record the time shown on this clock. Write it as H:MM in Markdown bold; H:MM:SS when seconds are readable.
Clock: **10:11:10**
